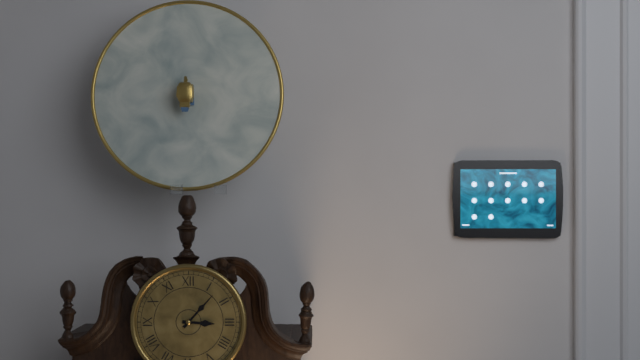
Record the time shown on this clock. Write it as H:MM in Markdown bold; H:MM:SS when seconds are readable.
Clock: **3:07**
